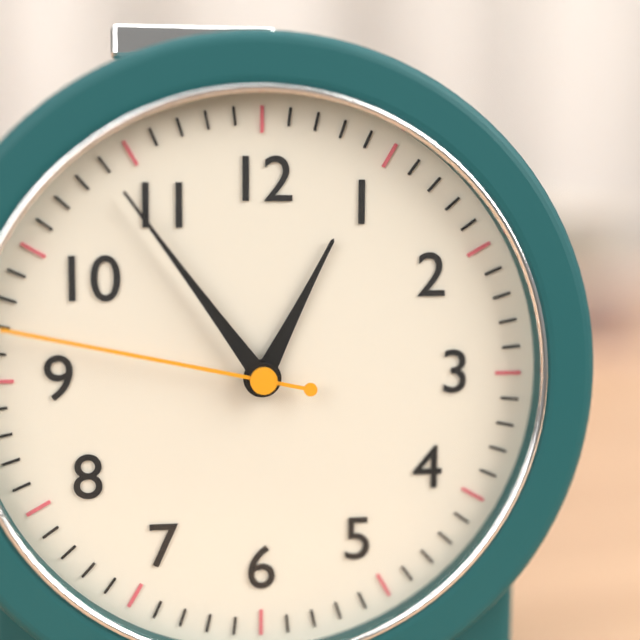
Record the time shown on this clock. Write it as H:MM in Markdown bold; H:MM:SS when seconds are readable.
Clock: **12:54**
